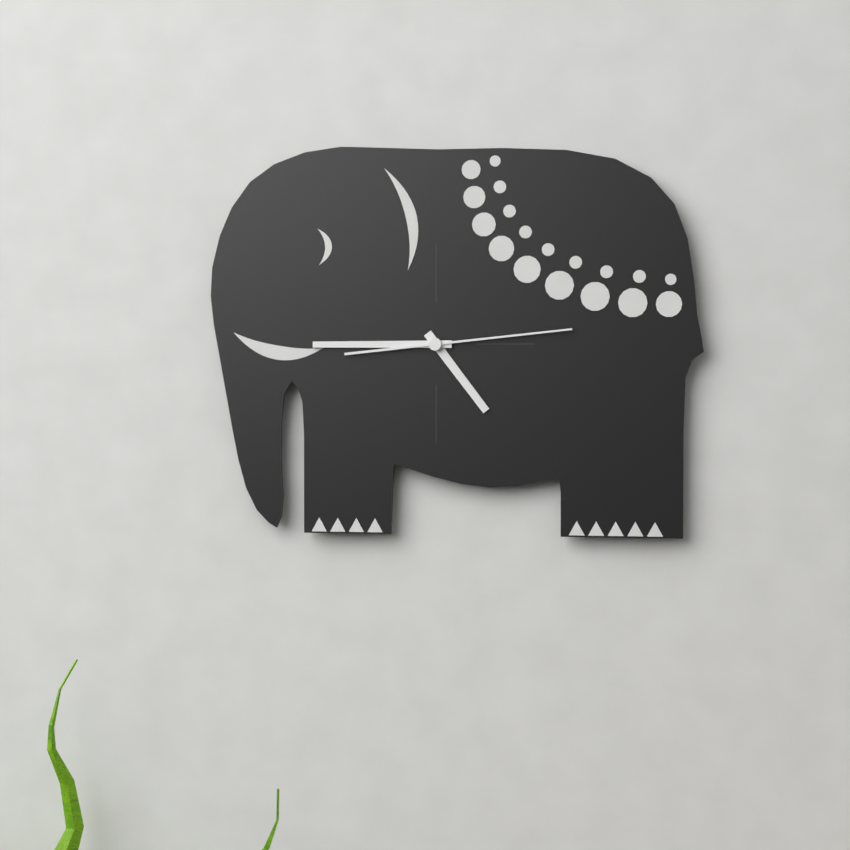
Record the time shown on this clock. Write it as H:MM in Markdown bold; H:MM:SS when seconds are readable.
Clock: **4:45:14**
